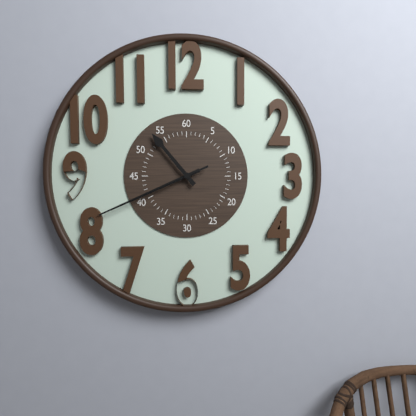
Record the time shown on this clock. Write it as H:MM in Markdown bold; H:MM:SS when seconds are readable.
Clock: **10:41:41**
